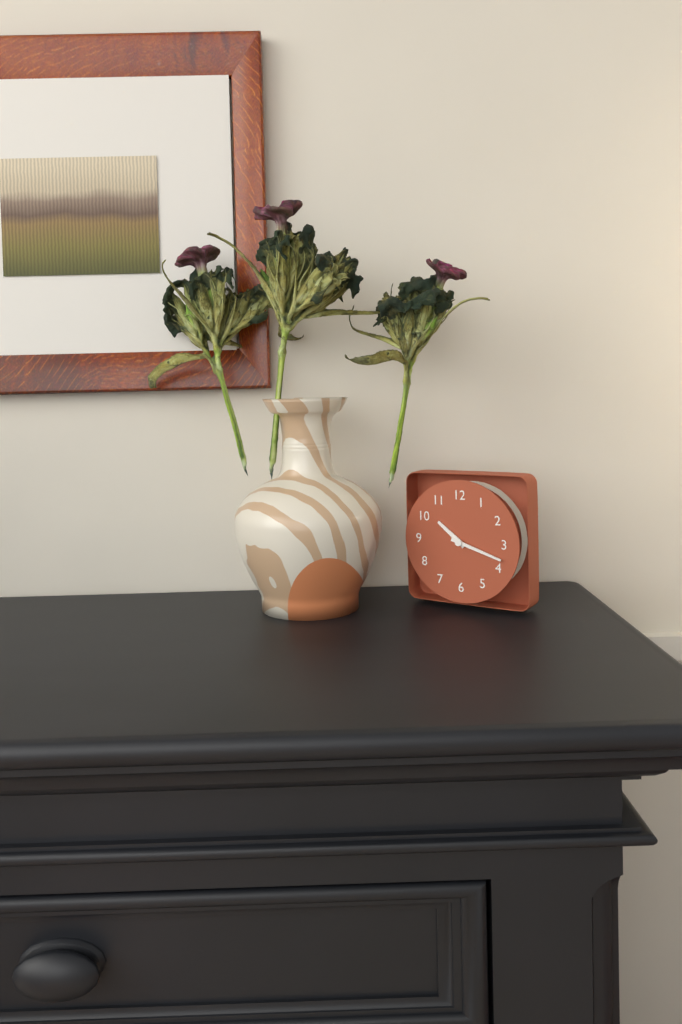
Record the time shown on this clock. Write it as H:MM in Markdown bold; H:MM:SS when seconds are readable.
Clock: **10:18**
